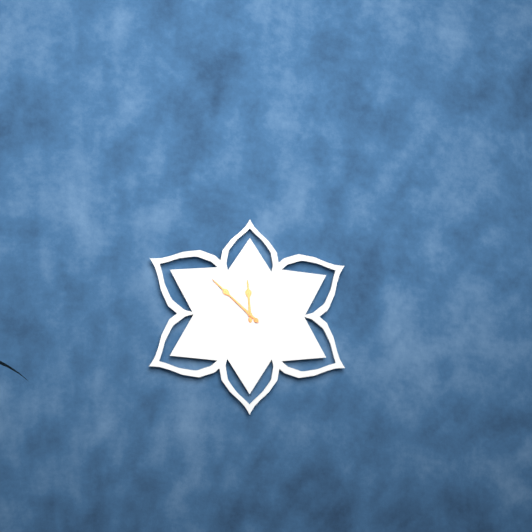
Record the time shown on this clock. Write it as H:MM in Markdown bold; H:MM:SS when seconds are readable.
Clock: **11:52**
